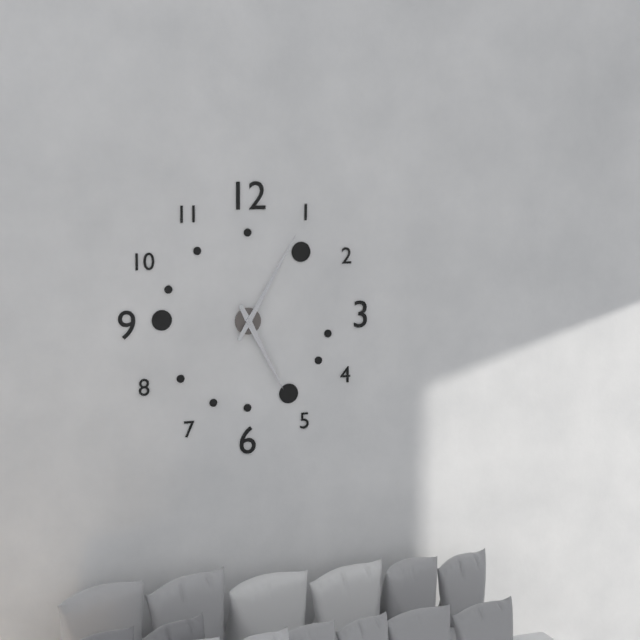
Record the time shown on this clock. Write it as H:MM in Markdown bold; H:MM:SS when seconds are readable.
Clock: **5:05**
